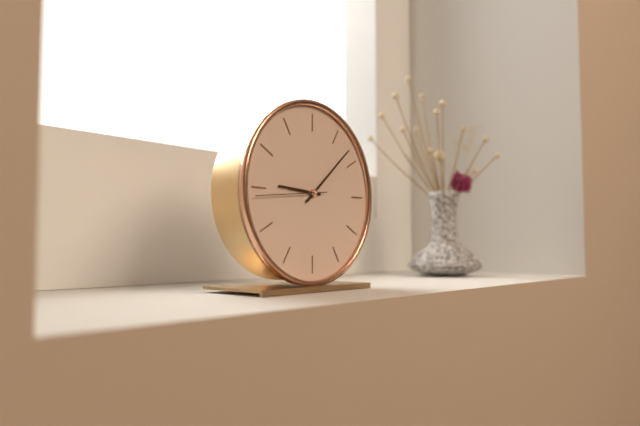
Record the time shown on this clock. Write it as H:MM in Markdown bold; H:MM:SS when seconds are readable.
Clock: **9:08:44**
